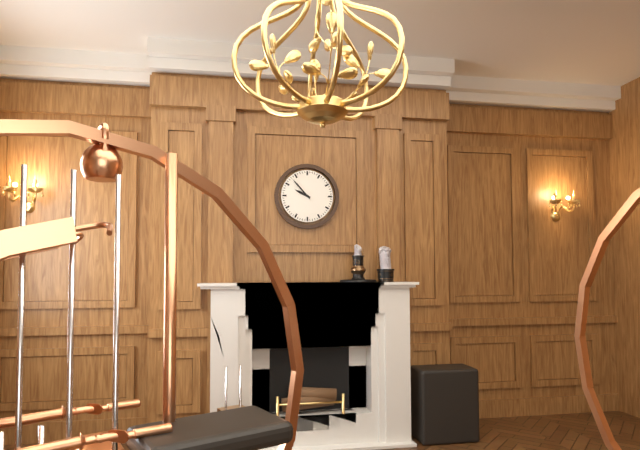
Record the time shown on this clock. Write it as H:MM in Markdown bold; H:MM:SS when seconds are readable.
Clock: **9:53**
